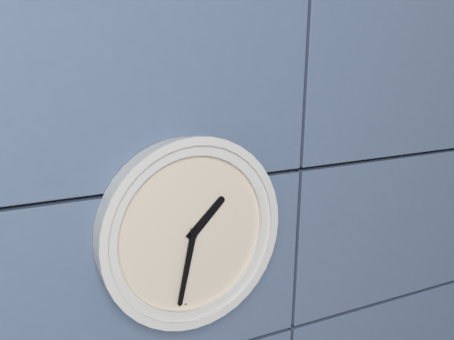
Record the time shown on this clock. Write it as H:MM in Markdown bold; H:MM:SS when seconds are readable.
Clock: **1:32**
